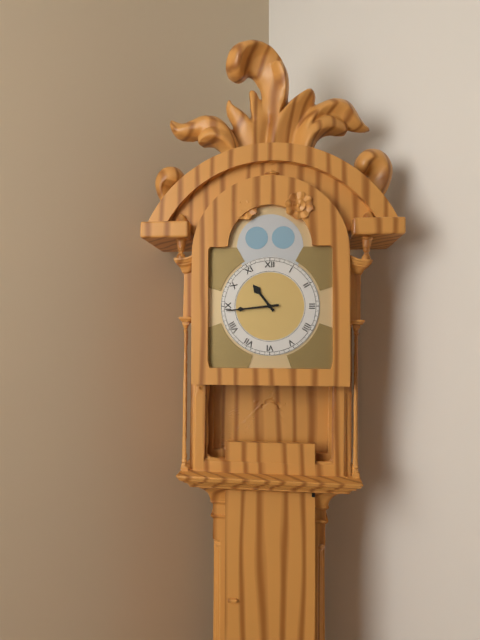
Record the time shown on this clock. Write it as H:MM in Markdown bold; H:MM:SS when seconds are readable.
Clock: **10:44**
